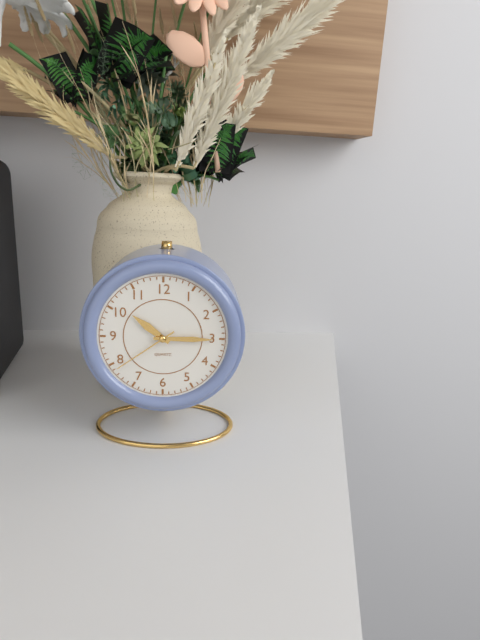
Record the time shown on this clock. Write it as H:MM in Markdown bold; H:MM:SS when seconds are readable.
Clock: **10:15:39**
